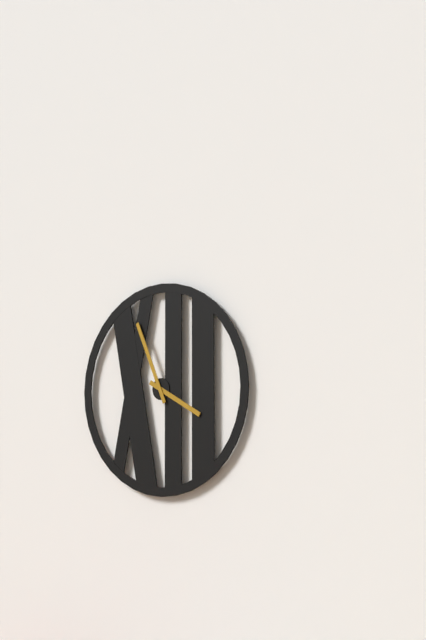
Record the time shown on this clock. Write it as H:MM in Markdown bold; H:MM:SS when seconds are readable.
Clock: **3:56**
